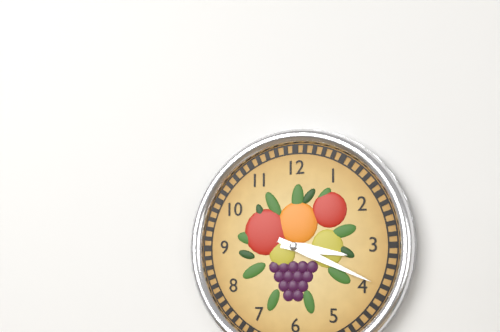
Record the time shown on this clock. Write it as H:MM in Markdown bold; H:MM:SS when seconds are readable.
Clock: **3:19**
